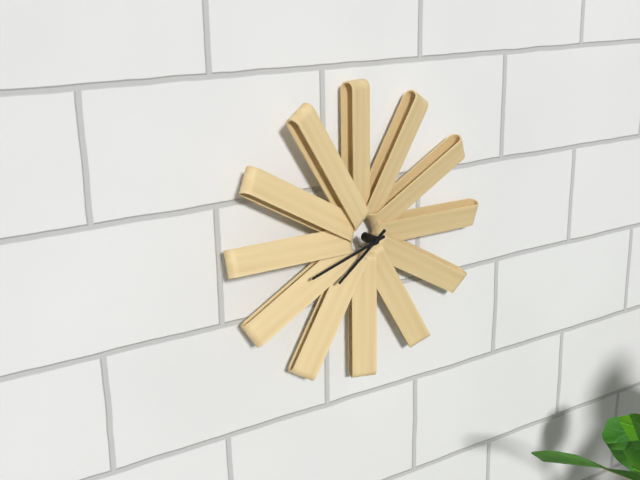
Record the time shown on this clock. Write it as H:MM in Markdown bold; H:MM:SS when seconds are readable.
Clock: **7:42**
